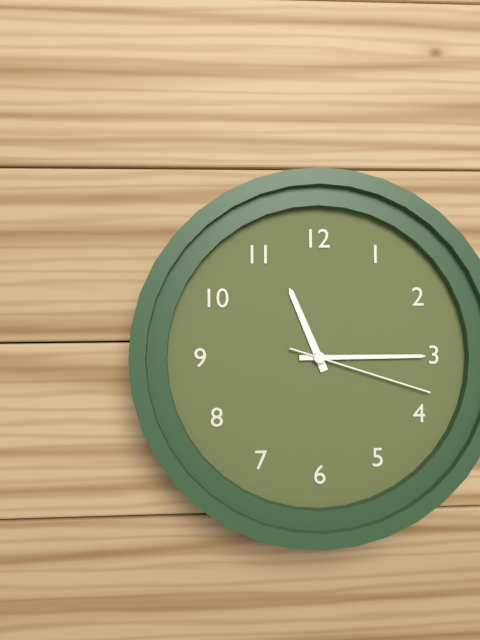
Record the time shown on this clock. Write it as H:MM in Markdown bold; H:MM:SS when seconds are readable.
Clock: **11:15:18**
